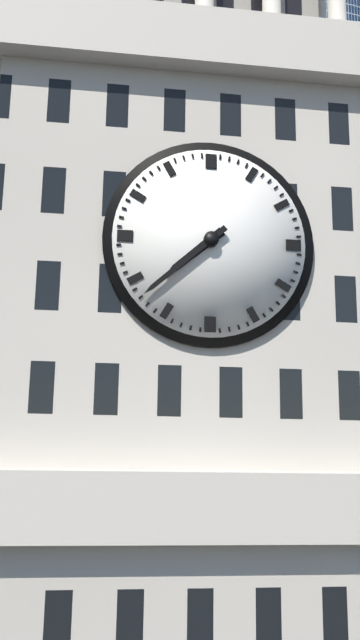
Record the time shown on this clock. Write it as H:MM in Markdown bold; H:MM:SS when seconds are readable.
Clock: **7:38**
